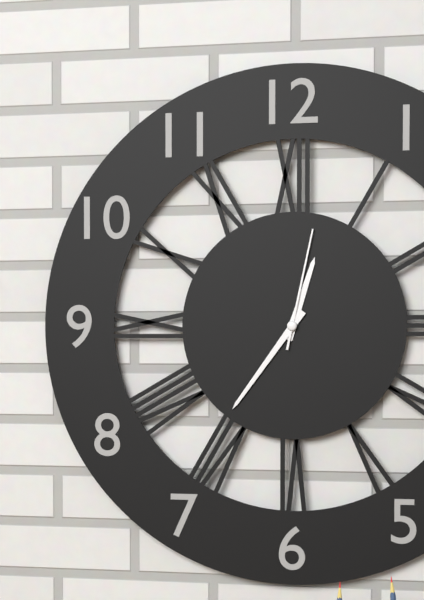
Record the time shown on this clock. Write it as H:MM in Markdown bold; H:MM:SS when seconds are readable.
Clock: **12:36:02**
